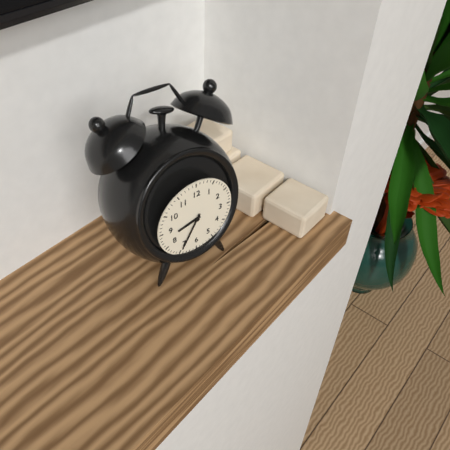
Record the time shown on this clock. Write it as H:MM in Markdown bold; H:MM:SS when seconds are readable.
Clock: **8:35**
